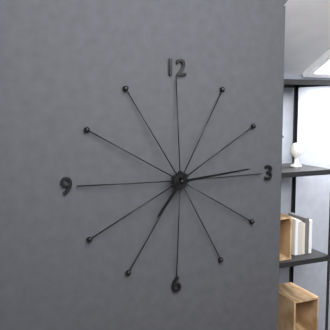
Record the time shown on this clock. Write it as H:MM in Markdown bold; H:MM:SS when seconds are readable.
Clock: **7:14**
